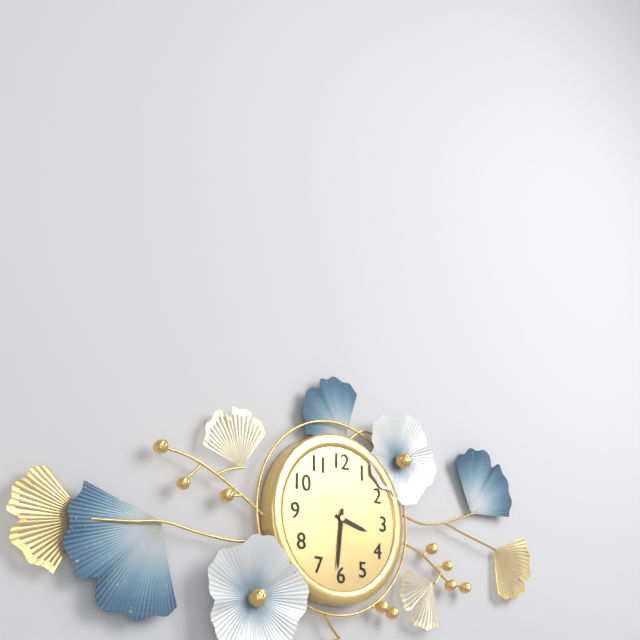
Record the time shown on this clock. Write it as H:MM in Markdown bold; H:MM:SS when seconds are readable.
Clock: **3:31**
